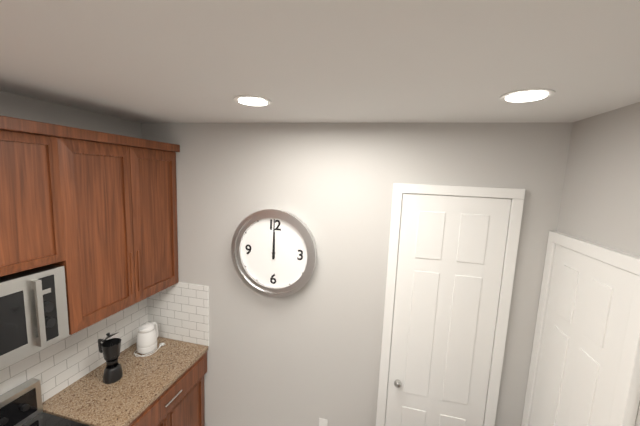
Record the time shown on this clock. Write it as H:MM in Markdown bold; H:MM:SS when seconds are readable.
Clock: **12:00**
